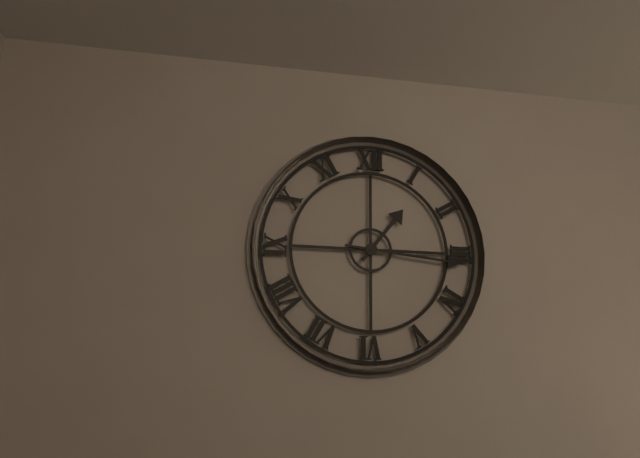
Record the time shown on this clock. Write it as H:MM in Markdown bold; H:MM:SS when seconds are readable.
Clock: **1:16**
